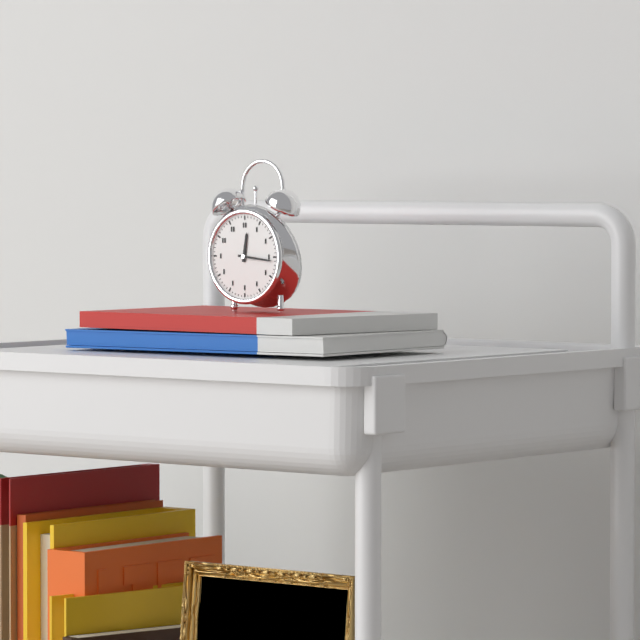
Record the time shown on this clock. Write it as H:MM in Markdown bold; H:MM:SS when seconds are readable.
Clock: **12:16**
